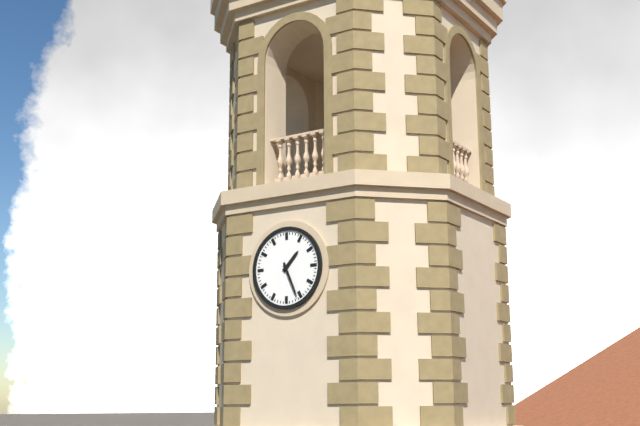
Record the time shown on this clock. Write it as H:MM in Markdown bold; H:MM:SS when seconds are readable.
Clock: **1:26**
